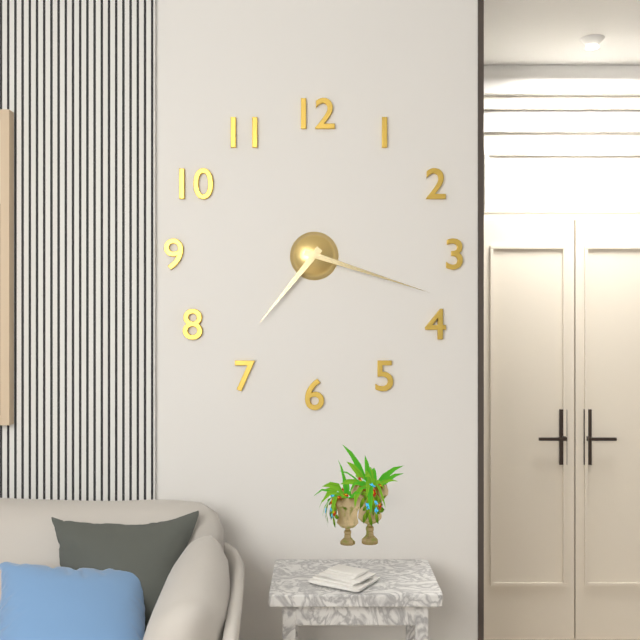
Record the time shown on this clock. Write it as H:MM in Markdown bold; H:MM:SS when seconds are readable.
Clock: **7:18**
